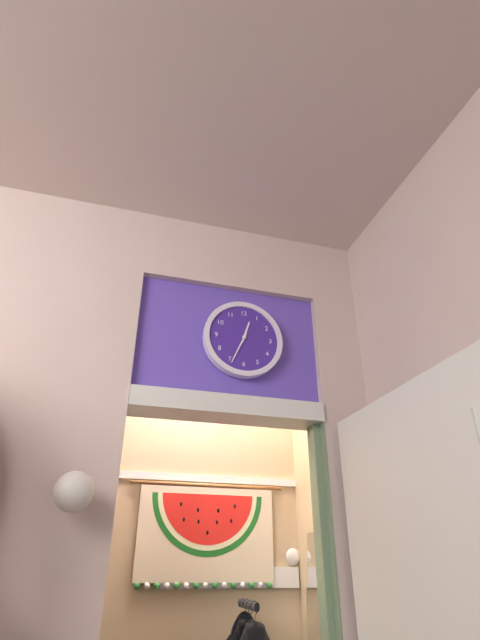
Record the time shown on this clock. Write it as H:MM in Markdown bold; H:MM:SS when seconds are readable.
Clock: **12:34**
